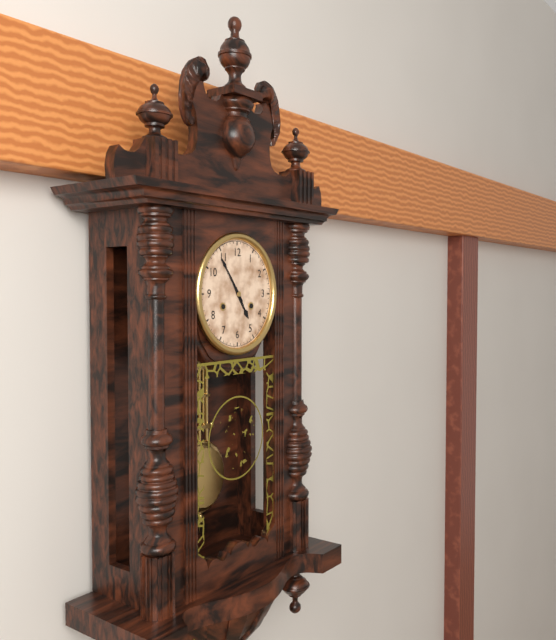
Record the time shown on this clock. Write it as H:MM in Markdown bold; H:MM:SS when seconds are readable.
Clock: **4:54**
